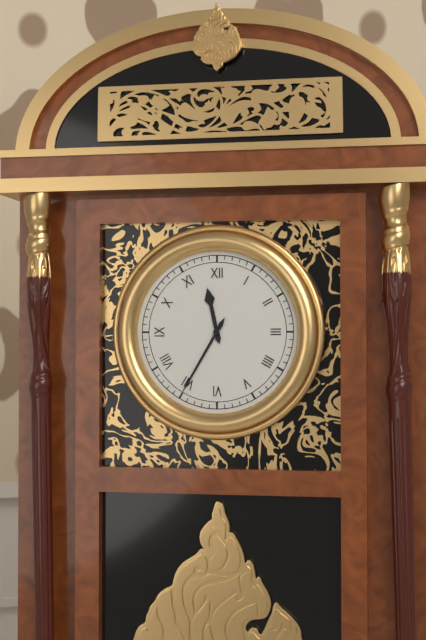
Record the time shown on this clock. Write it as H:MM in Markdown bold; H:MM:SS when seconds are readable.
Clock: **11:35**
